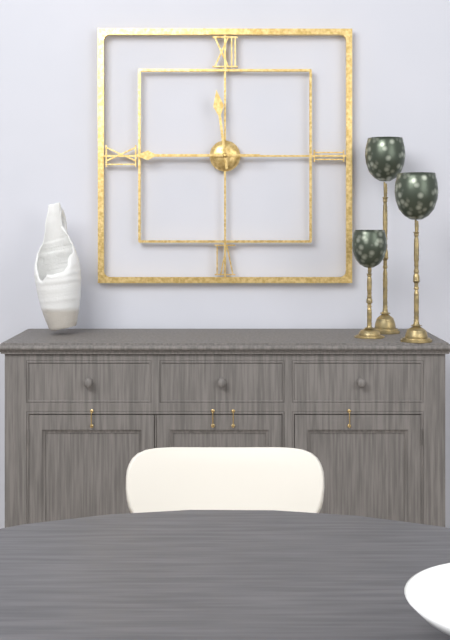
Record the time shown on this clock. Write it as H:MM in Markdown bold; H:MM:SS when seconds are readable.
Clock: **11:45**
